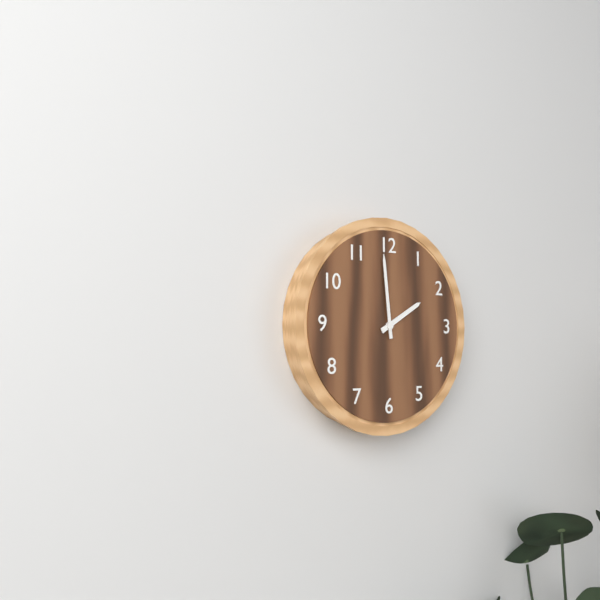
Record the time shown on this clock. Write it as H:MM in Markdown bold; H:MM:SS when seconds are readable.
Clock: **1:59**
